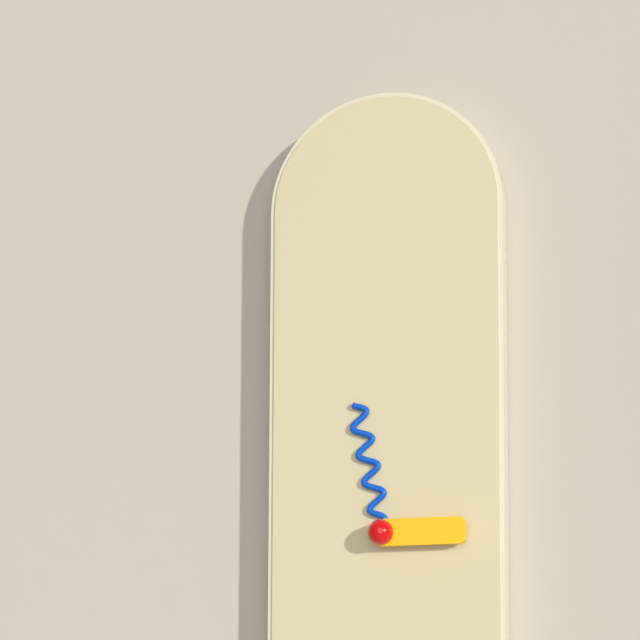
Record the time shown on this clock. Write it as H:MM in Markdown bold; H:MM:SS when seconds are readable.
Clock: **2:58**
